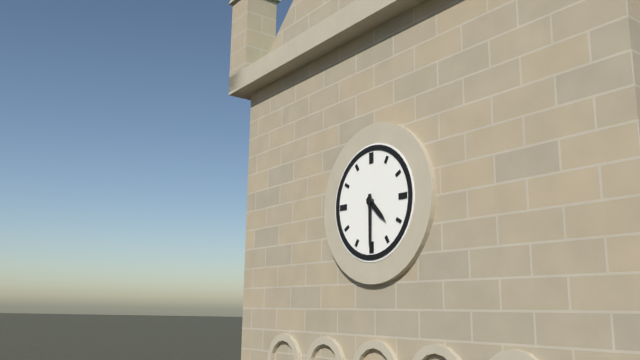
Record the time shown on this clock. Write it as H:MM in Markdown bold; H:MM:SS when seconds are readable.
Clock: **4:30**
